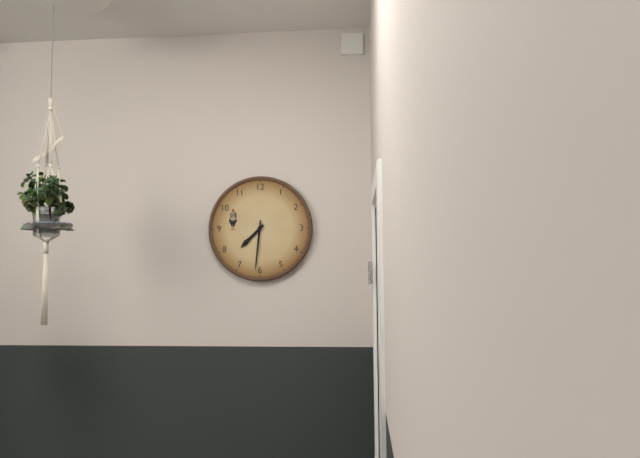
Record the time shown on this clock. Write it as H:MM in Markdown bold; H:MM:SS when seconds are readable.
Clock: **7:31**
